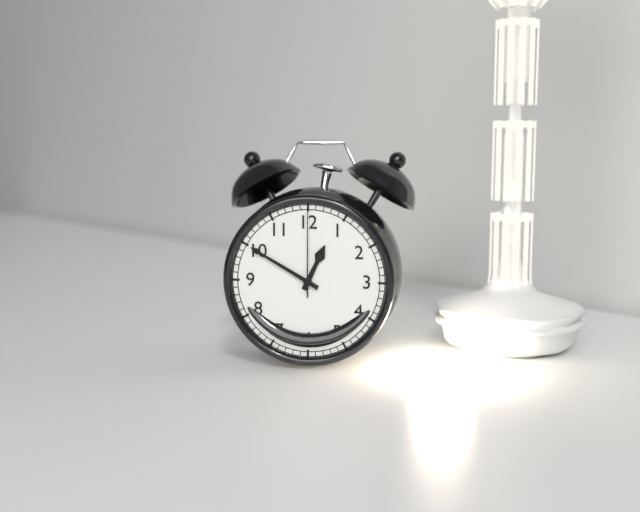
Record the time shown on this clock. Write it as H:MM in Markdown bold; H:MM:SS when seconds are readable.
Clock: **12:50:00**
